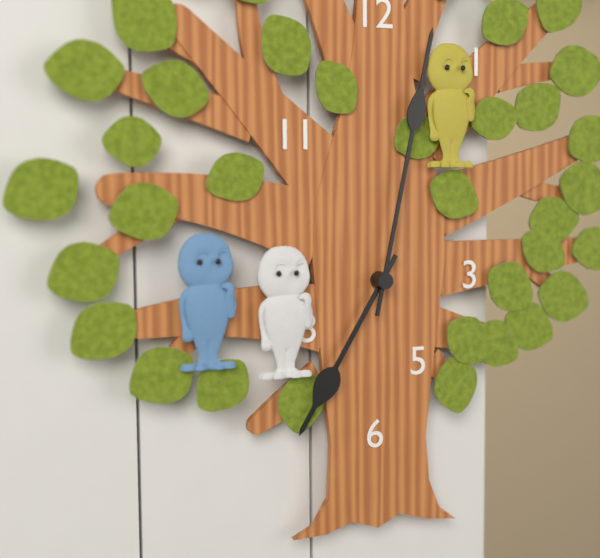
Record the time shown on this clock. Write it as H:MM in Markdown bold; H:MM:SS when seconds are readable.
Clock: **7:02**
